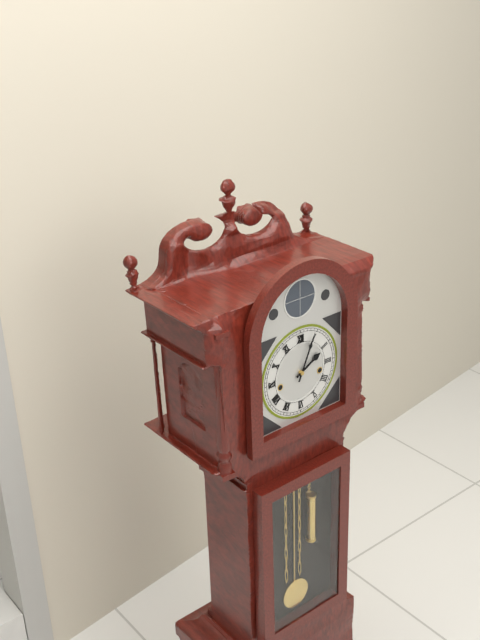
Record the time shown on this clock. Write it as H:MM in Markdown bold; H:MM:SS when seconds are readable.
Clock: **2:04**
